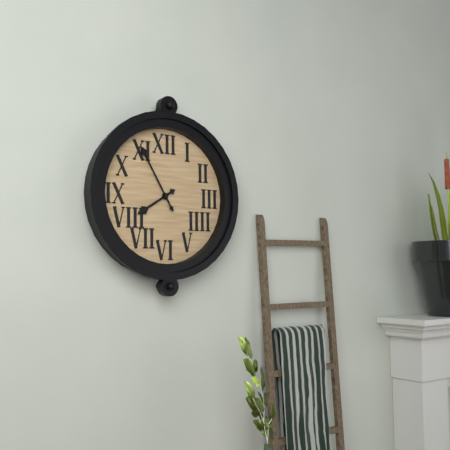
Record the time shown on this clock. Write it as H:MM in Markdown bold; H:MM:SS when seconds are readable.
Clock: **7:55**
